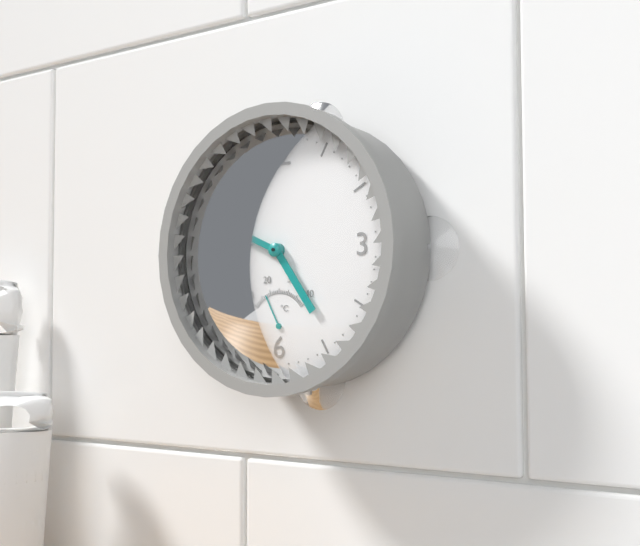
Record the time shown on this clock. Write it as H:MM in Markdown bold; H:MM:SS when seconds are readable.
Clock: **4:49**
